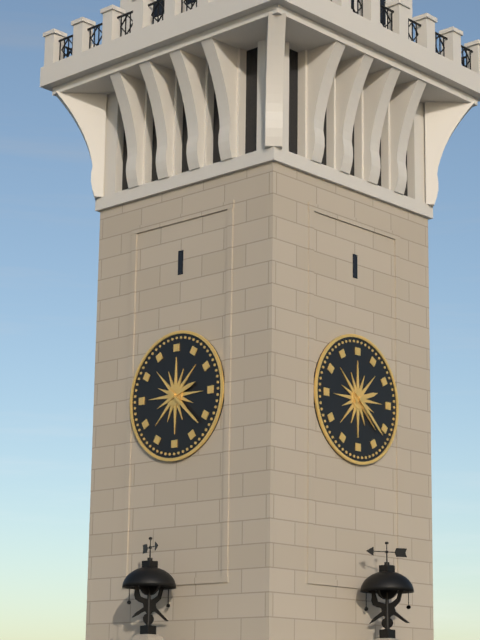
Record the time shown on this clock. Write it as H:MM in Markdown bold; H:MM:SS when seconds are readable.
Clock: **2:22**
